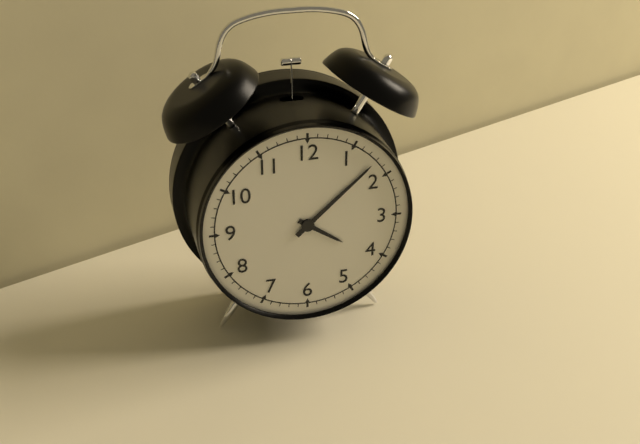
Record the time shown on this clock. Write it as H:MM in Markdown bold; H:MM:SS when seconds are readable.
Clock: **4:08**
